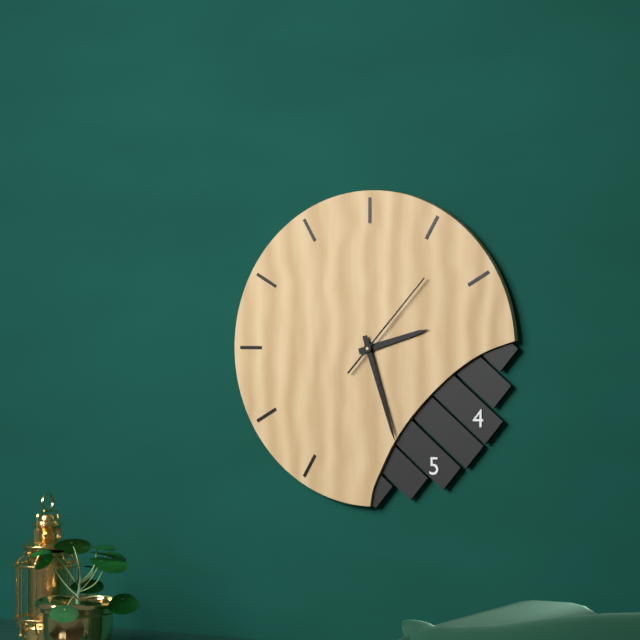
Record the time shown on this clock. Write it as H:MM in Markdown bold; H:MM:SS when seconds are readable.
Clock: **2:27:07**
